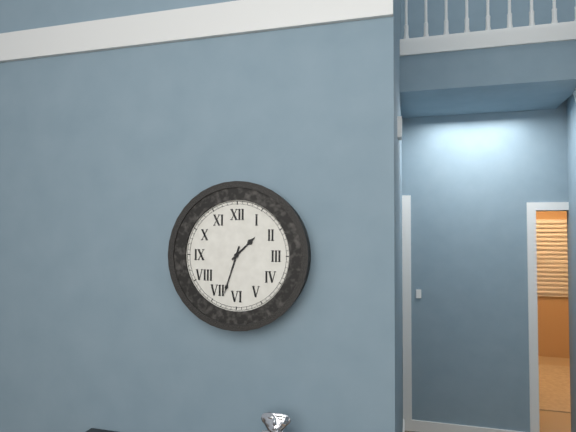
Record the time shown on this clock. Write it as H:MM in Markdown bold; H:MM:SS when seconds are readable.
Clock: **1:33**
